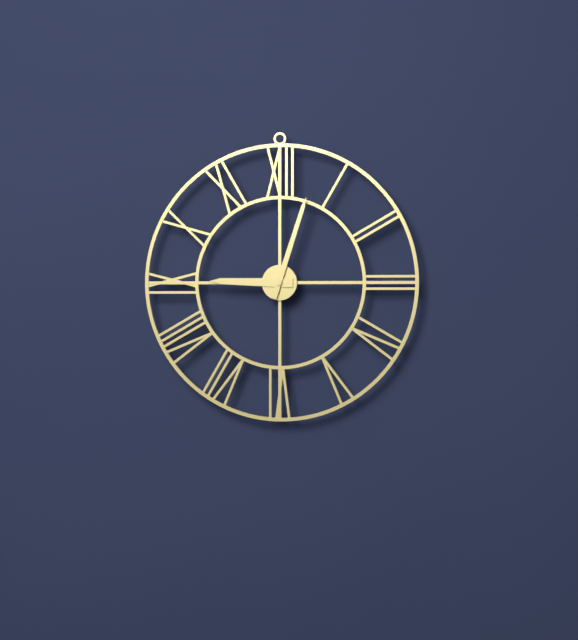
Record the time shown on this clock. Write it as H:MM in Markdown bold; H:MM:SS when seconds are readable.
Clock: **9:03**
